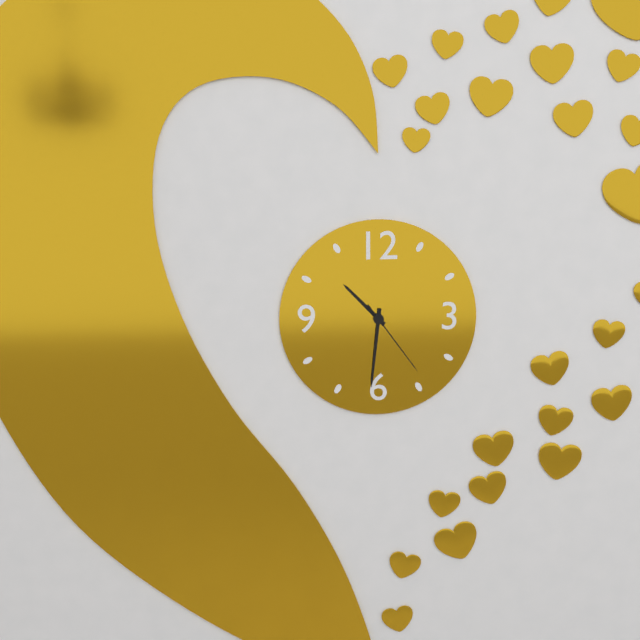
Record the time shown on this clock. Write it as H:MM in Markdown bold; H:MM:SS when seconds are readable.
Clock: **10:31:24**
